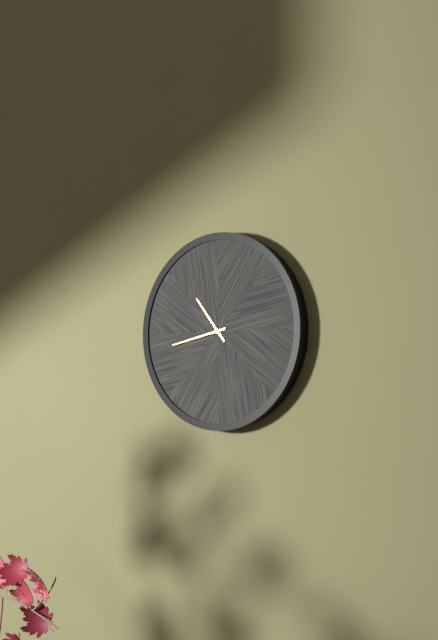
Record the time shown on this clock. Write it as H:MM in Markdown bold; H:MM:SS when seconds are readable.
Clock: **10:43**
